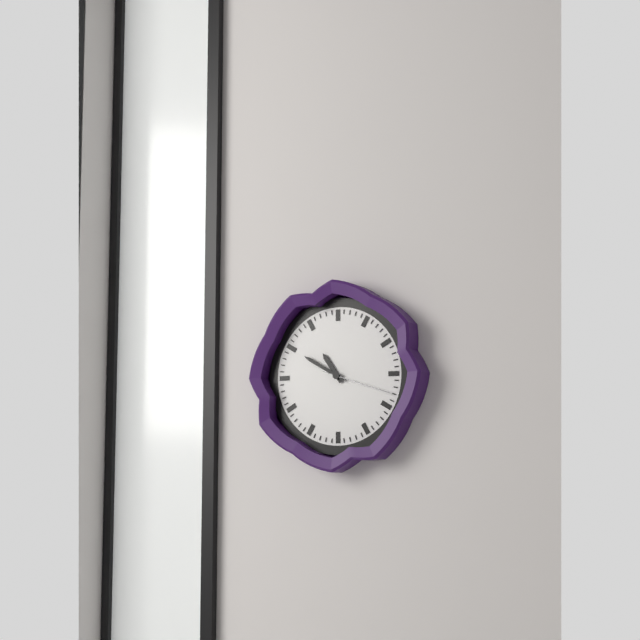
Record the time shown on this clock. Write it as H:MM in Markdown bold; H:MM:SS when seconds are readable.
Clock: **10:50:18**
